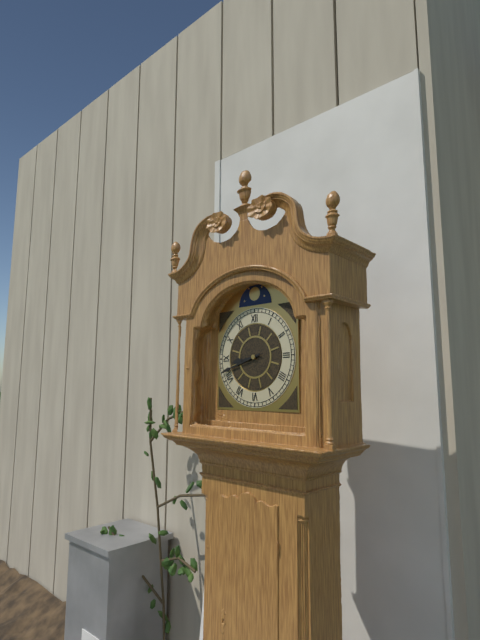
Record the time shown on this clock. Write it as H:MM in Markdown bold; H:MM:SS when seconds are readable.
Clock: **8:42**
